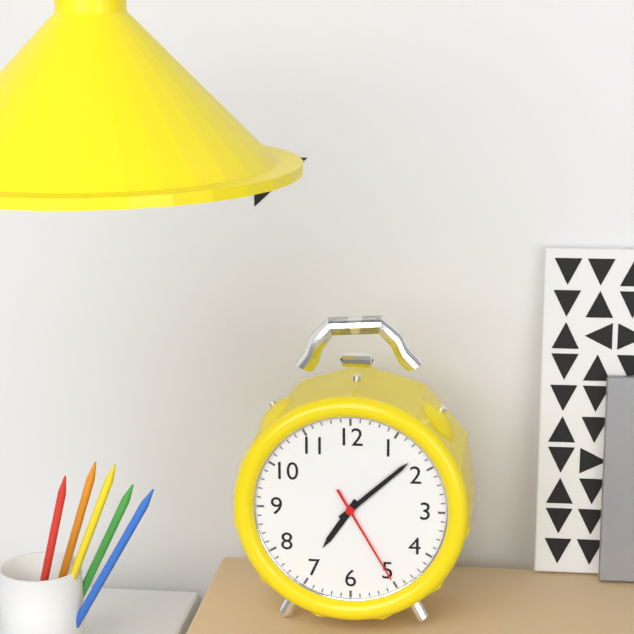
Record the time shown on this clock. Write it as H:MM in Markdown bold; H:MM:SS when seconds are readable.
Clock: **7:08:25**
